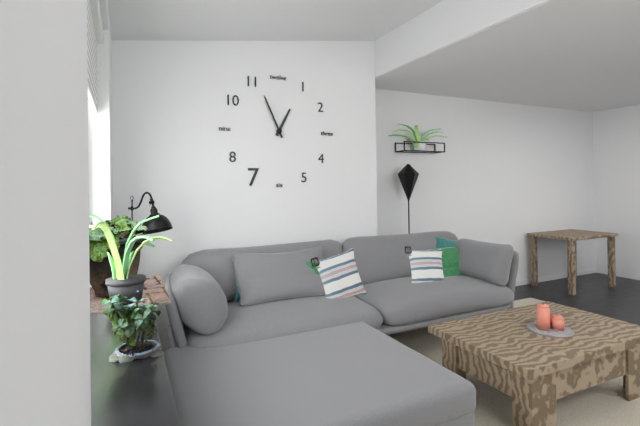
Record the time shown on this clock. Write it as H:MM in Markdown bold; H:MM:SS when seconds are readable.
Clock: **12:56**
